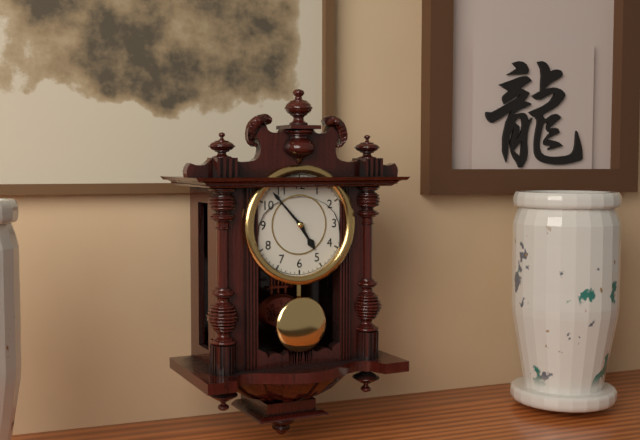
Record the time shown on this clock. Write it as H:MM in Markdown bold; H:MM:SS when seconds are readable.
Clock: **4:53**
